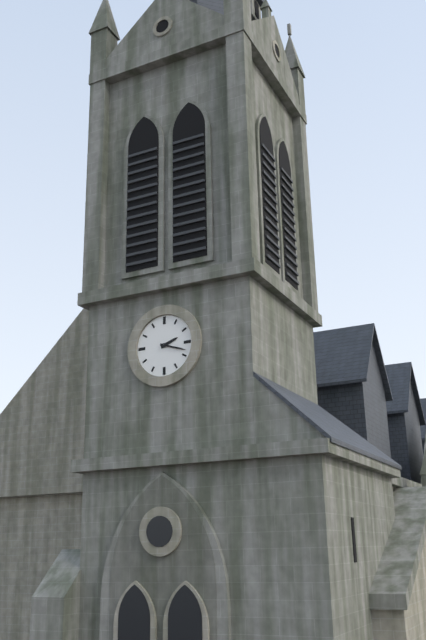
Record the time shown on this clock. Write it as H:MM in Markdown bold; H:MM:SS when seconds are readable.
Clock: **2:18**
